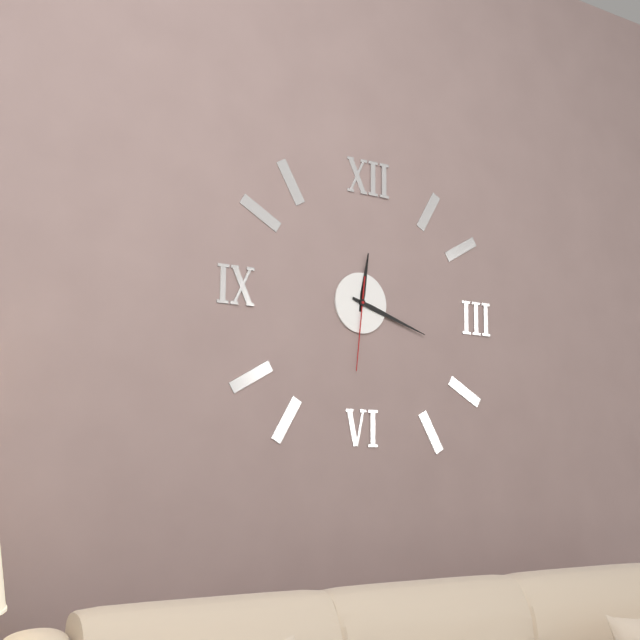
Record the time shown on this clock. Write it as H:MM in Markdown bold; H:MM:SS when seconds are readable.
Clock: **12:18:31**
